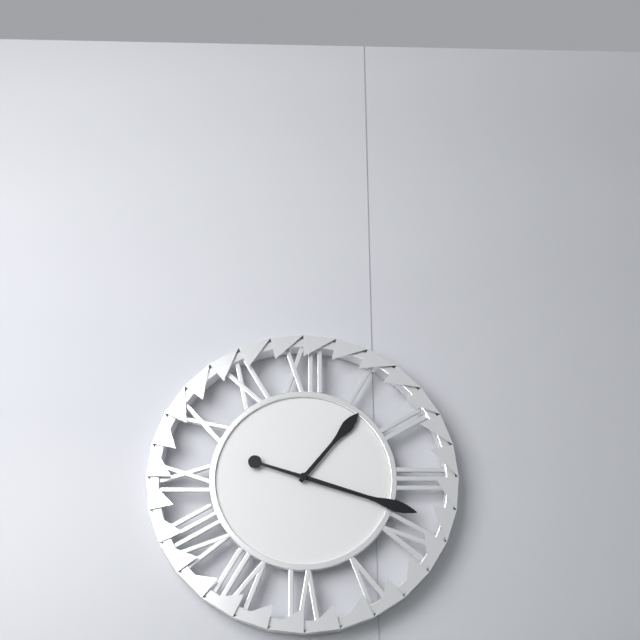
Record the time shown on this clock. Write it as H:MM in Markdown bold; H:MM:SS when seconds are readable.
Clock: **1:18**
